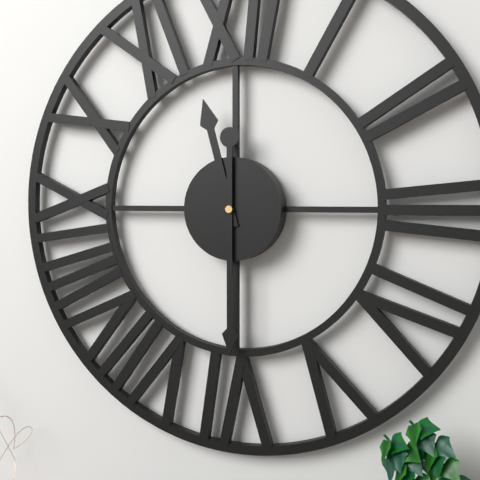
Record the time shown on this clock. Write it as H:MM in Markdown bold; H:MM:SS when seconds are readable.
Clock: **11:30**
